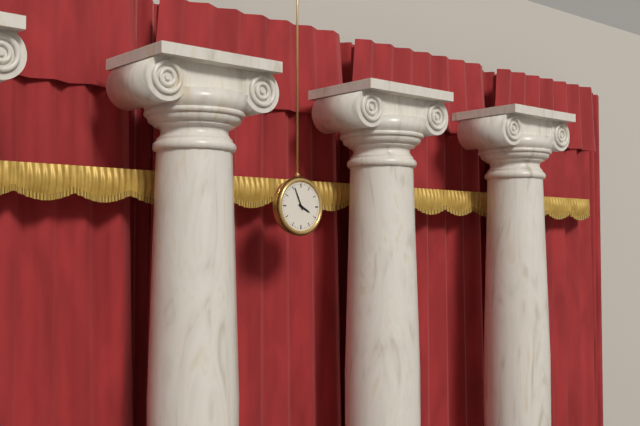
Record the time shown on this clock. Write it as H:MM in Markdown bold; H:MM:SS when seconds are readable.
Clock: **3:56**
